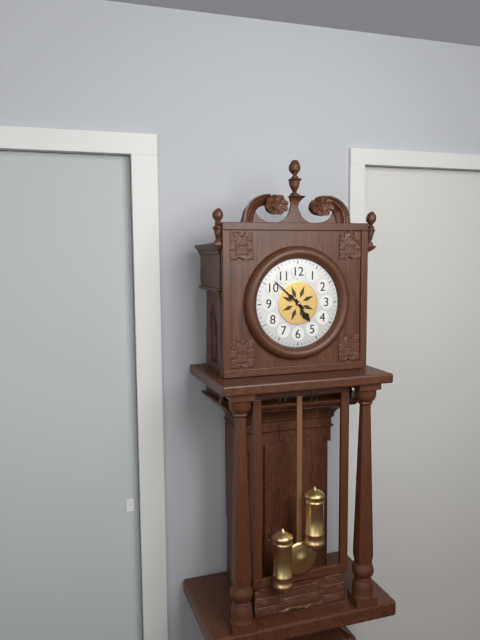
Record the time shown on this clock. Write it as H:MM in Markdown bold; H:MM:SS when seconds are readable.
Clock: **4:52**
